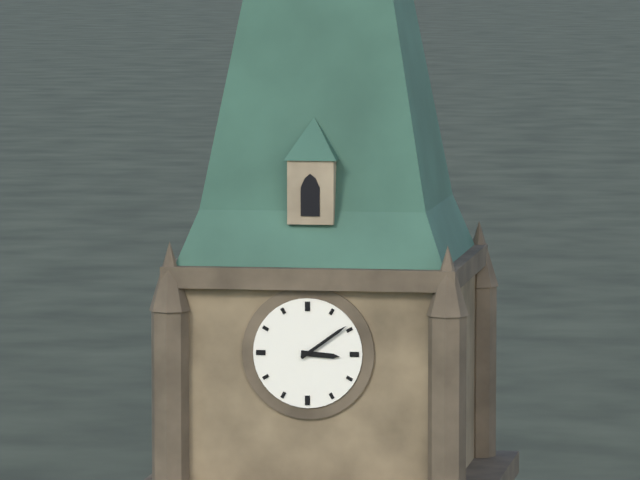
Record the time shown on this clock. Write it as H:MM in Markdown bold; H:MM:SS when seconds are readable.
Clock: **3:09**
